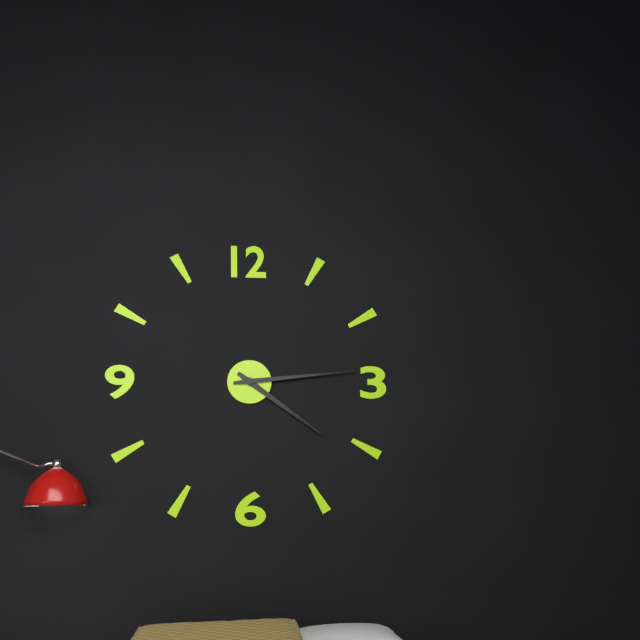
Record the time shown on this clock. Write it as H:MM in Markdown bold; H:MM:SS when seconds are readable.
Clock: **4:14**
